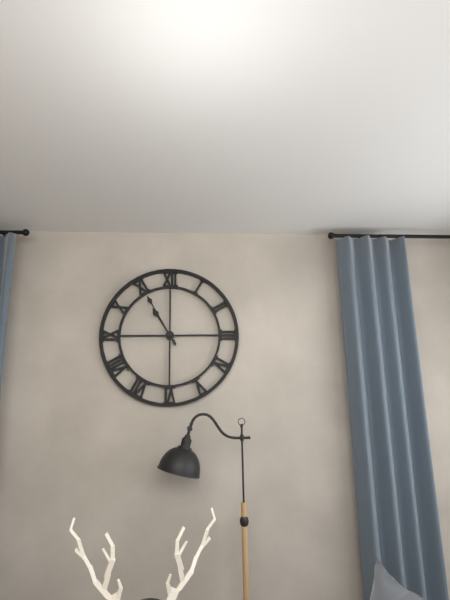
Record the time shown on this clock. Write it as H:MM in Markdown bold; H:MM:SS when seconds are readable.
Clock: **10:55**
